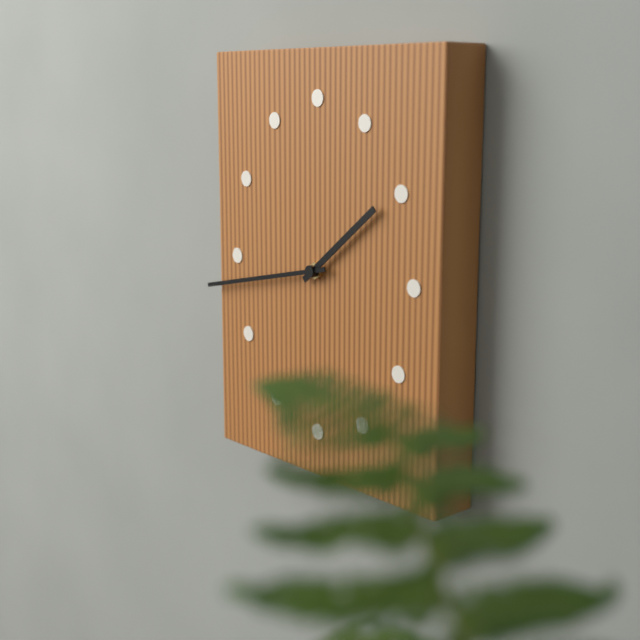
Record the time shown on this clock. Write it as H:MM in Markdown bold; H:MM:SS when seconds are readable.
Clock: **1:43**
